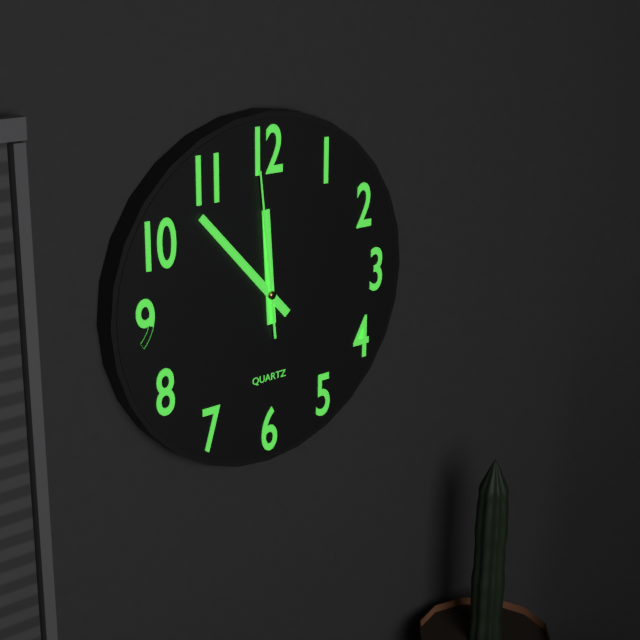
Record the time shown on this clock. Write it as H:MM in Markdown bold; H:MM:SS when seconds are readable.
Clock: **11:53:59**
